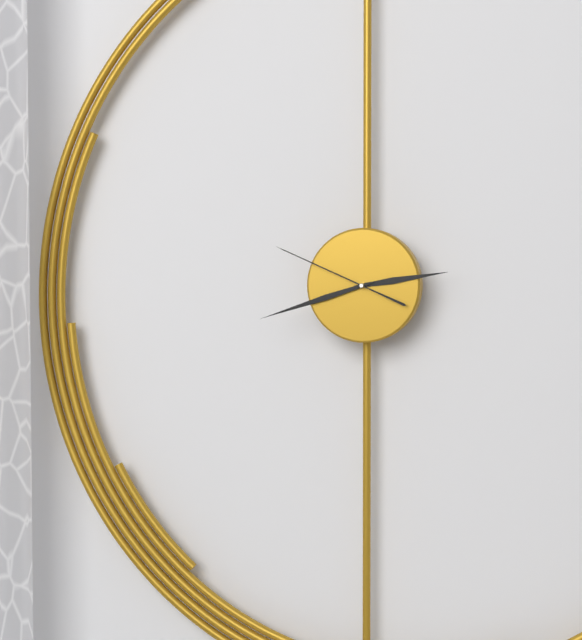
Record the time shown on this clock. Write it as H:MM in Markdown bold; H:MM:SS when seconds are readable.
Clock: **2:42:49**
